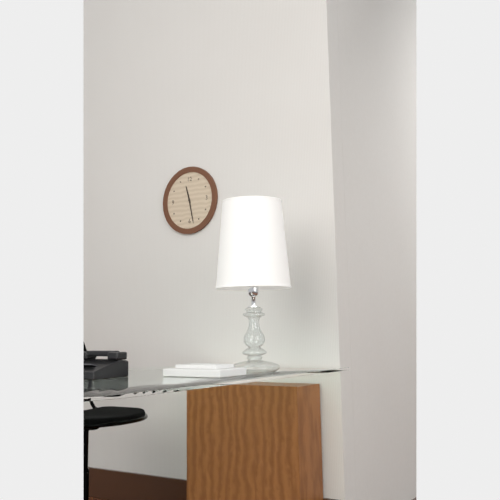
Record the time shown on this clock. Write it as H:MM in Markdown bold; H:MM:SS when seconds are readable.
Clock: **11:28**
